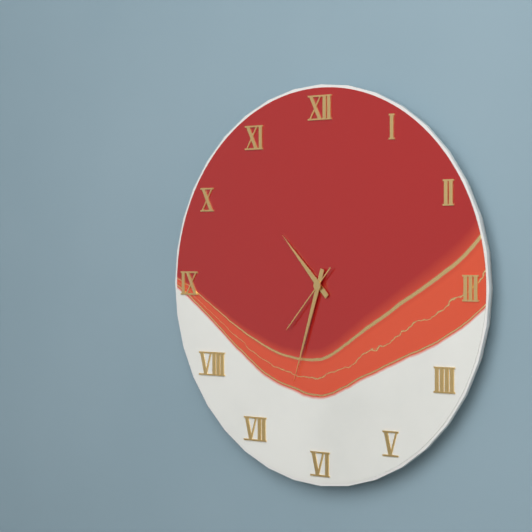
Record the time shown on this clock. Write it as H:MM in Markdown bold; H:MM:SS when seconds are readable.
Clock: **10:33:37**
